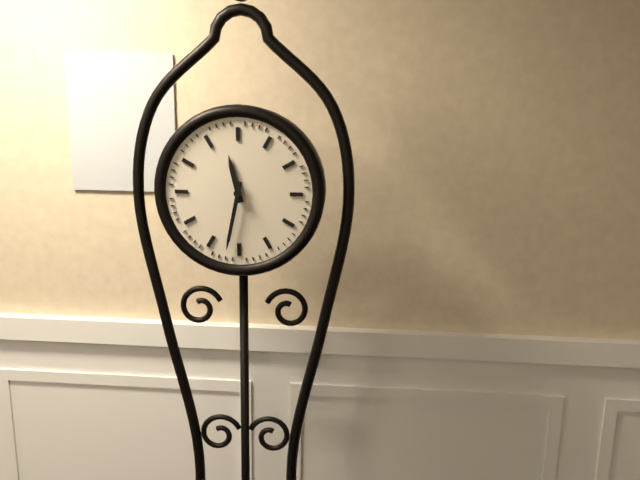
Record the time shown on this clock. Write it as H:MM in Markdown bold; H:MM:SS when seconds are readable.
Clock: **11:32**
